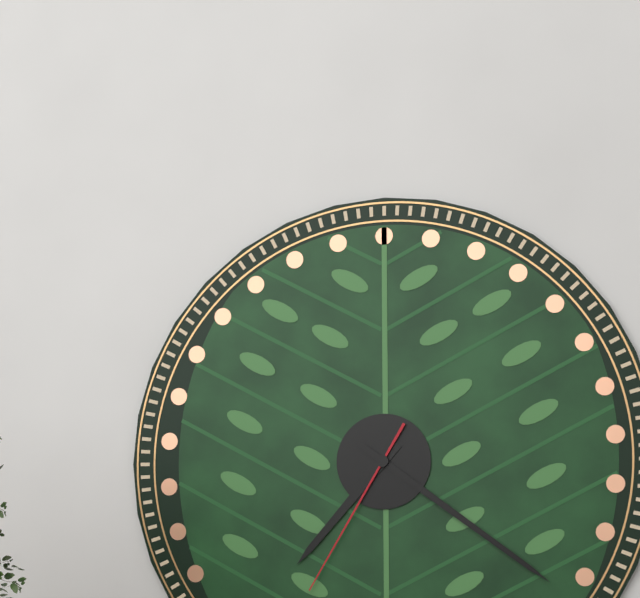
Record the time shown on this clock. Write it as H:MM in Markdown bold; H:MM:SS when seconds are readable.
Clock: **7:21:35**
